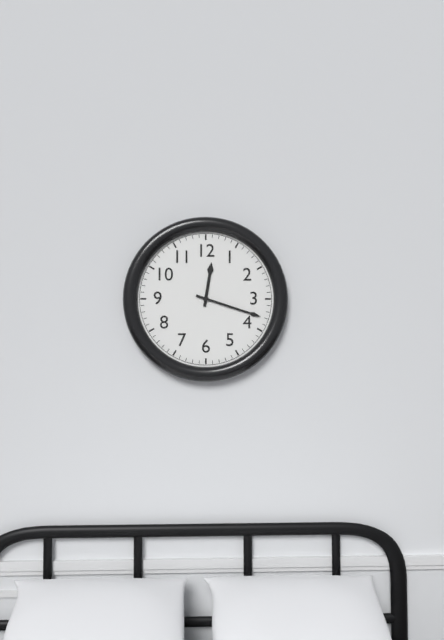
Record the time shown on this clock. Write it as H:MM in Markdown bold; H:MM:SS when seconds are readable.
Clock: **12:18**
